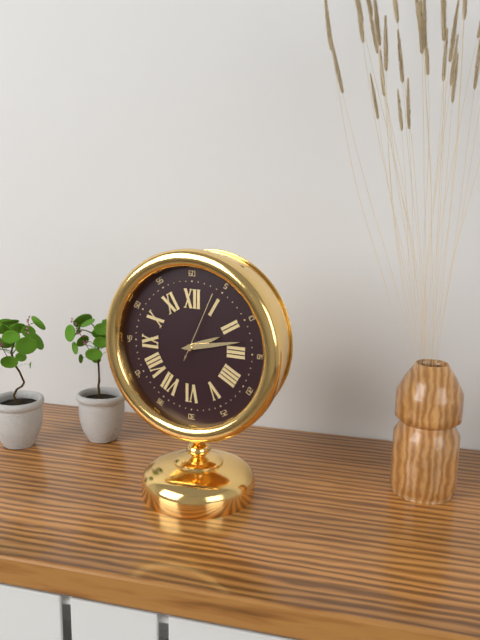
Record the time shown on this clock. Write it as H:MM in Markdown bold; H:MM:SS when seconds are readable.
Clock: **2:13:04**
